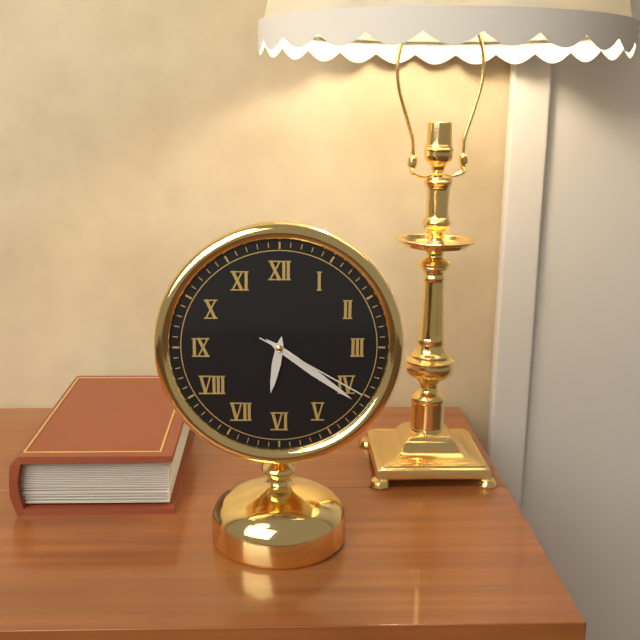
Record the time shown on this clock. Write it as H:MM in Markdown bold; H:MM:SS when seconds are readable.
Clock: **6:21:20**
